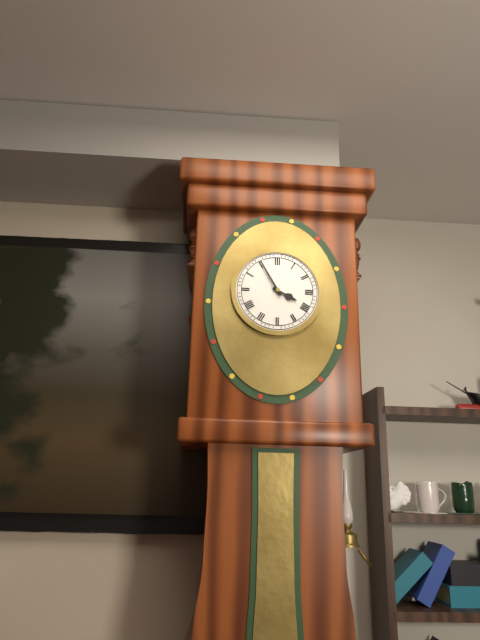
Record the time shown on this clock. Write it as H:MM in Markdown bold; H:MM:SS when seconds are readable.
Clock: **3:55**
